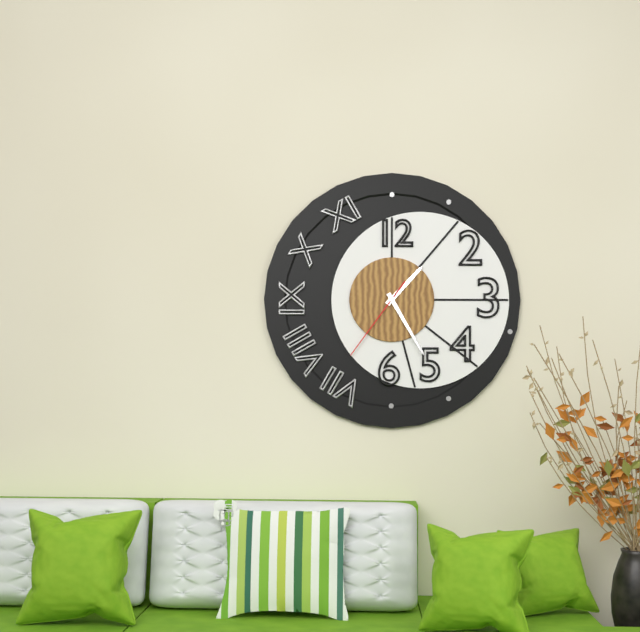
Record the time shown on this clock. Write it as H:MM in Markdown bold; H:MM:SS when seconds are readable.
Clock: **1:25:36**
